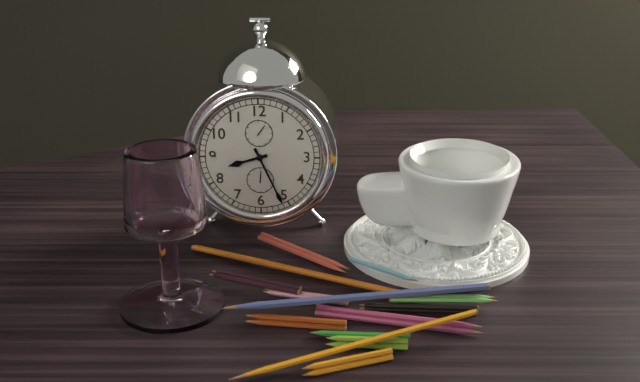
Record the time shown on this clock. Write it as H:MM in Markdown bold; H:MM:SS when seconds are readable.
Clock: **8:26**
